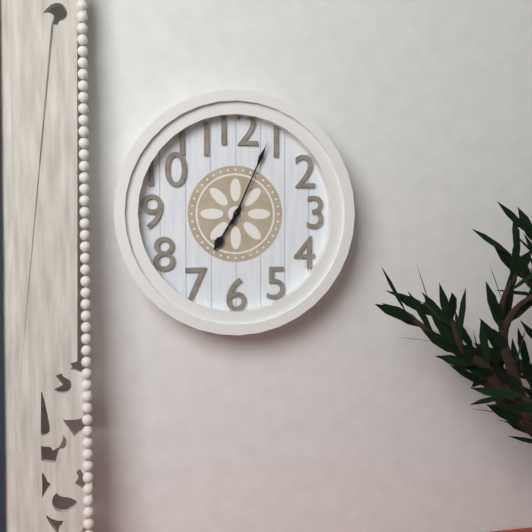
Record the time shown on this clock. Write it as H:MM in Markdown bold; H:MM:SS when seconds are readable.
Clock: **7:04**
